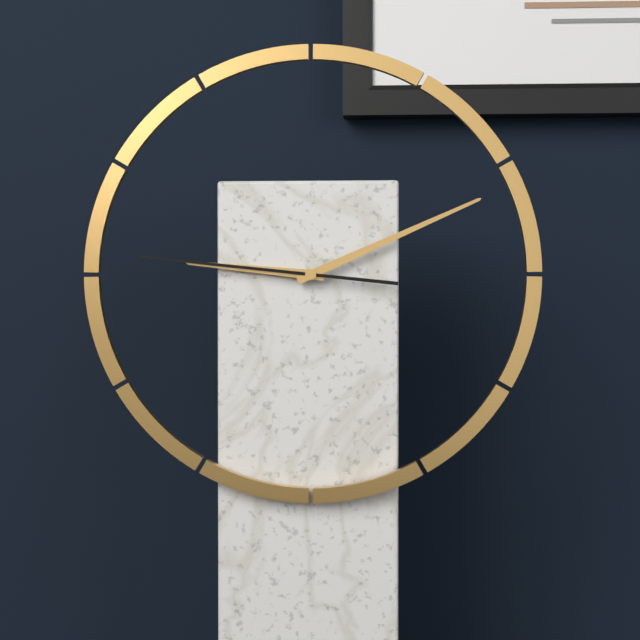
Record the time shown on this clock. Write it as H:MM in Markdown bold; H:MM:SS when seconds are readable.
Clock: **9:11:46**
